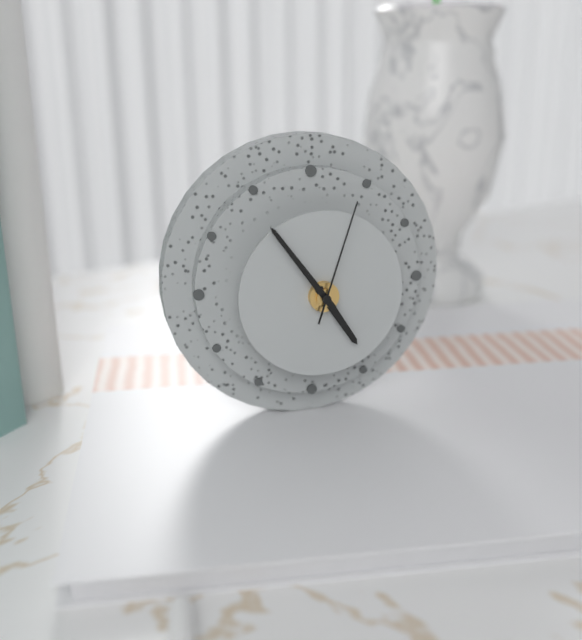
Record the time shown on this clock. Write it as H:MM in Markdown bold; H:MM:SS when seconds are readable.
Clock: **4:54:03**
